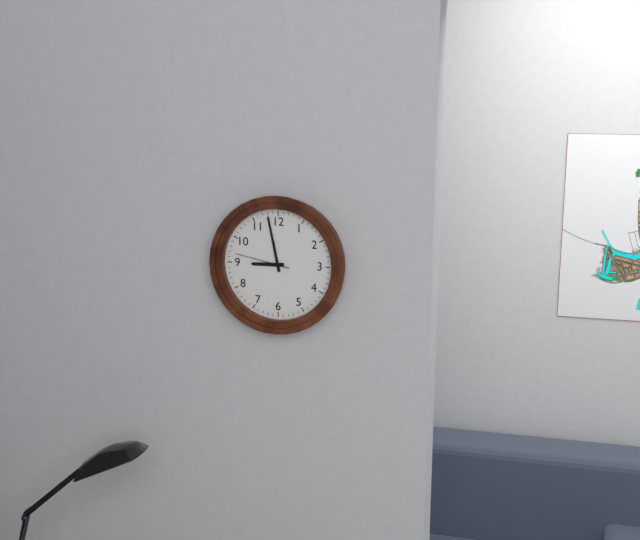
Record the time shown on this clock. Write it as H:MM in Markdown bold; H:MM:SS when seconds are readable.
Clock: **8:58:47**
